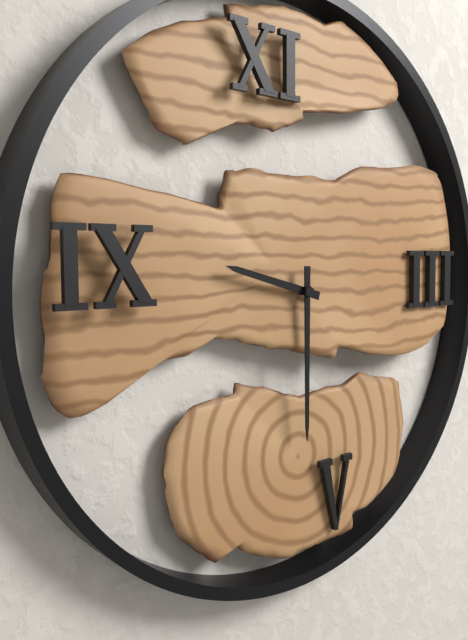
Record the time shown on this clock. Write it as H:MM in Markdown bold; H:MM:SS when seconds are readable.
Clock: **9:30**
